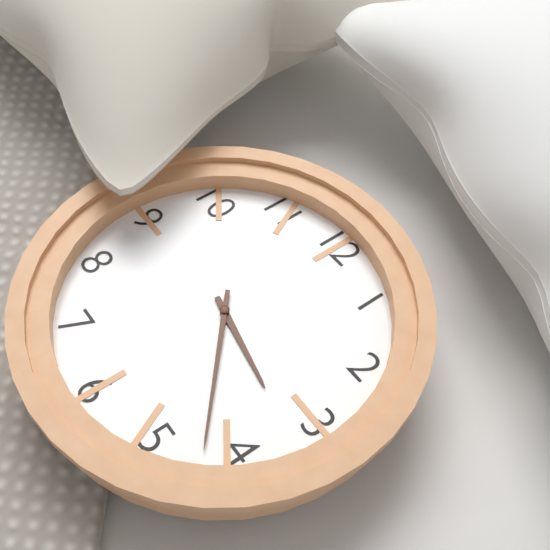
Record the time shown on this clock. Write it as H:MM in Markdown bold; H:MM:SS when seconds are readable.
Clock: **3:22**
